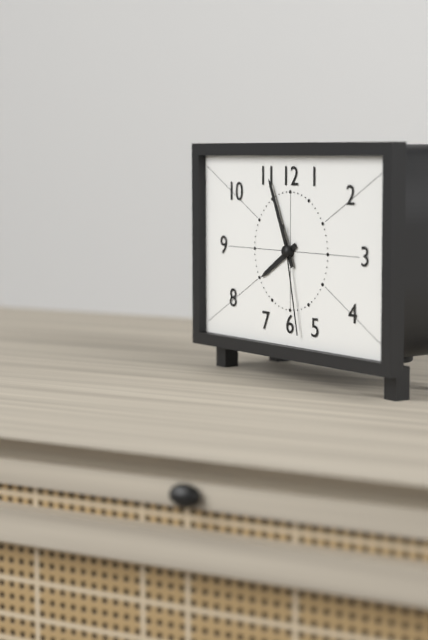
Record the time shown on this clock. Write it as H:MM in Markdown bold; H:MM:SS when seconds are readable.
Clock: **7:56:28**
